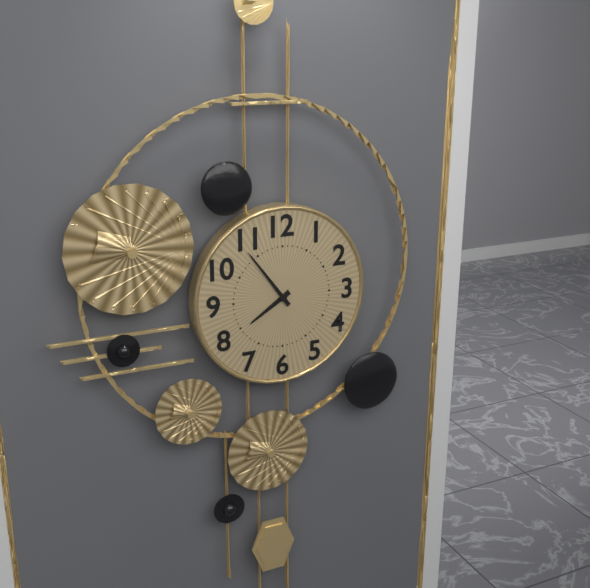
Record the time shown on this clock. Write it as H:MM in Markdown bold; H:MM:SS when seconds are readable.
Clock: **7:54**
